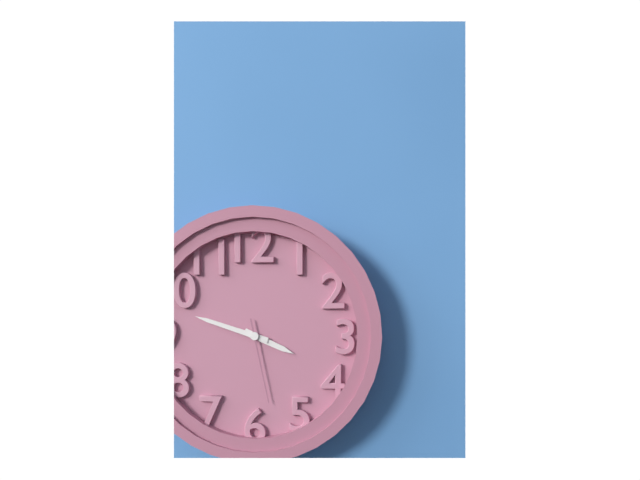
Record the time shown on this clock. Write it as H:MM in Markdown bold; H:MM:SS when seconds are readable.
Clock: **3:48:28**
